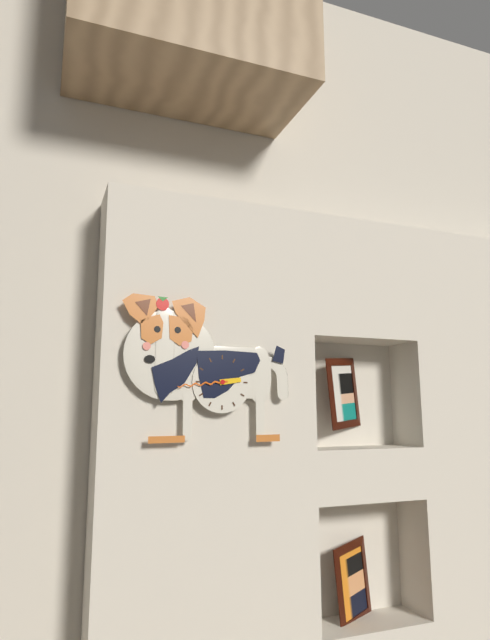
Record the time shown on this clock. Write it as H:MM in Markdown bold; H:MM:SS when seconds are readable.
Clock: **2:44**
